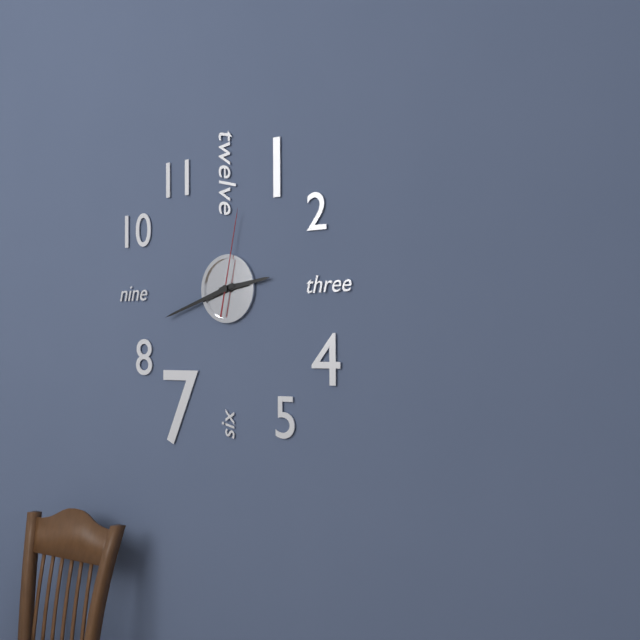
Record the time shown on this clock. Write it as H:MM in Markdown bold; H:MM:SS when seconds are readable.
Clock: **2:42:02**
